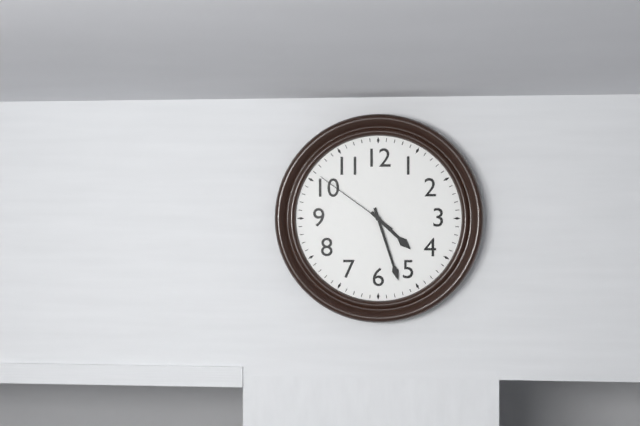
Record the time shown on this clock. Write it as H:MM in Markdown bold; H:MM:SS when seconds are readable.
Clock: **4:27:51**
